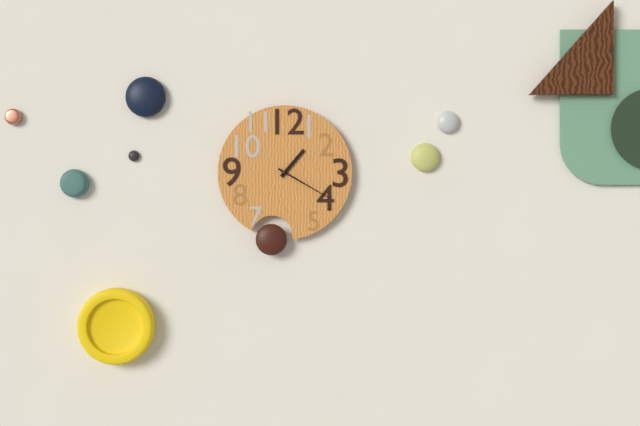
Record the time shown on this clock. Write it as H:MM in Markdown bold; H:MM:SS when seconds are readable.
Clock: **1:20**
